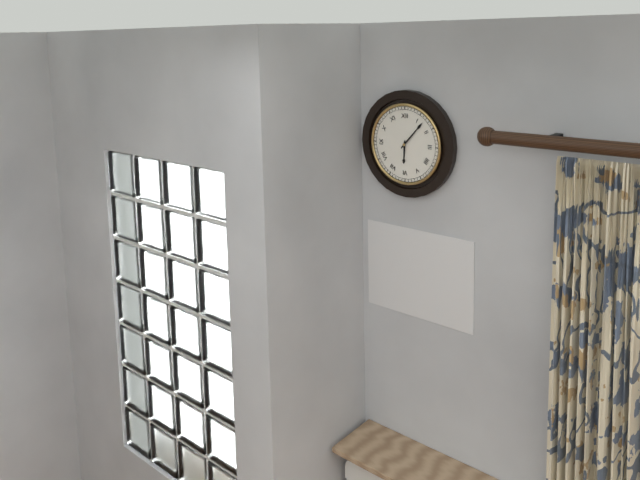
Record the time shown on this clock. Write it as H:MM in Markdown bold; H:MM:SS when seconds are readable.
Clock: **6:07**
